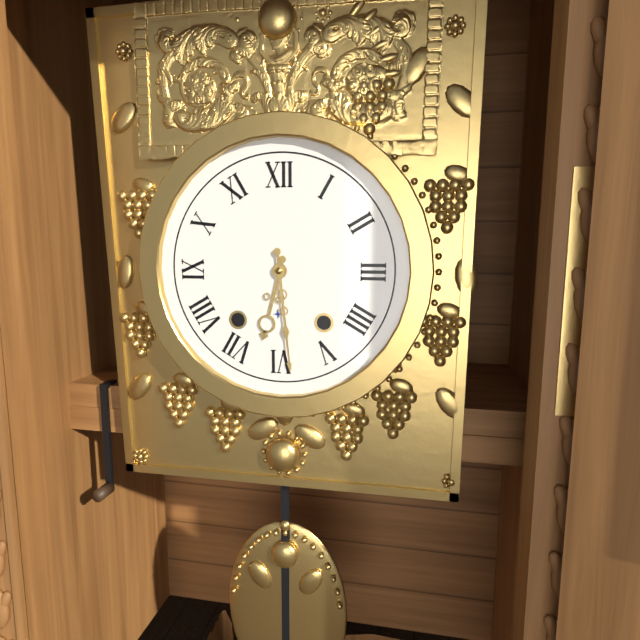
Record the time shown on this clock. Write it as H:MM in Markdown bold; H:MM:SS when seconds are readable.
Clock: **6:29**
